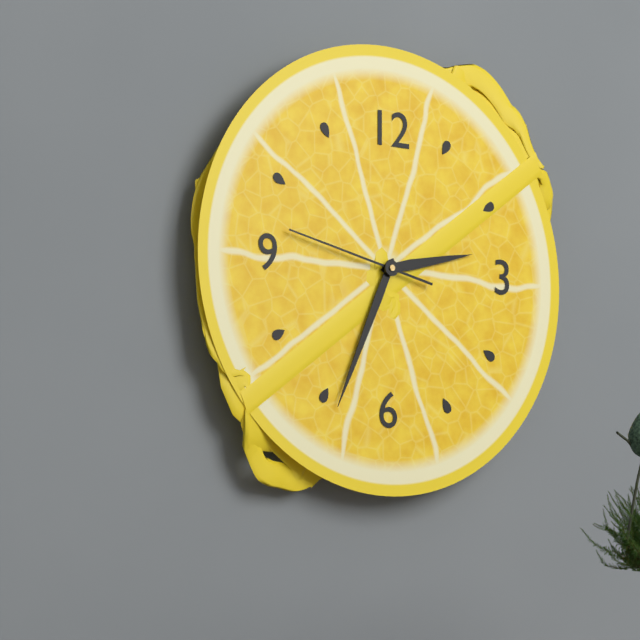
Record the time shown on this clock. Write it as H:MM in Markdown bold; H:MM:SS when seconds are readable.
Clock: **2:34:47**
